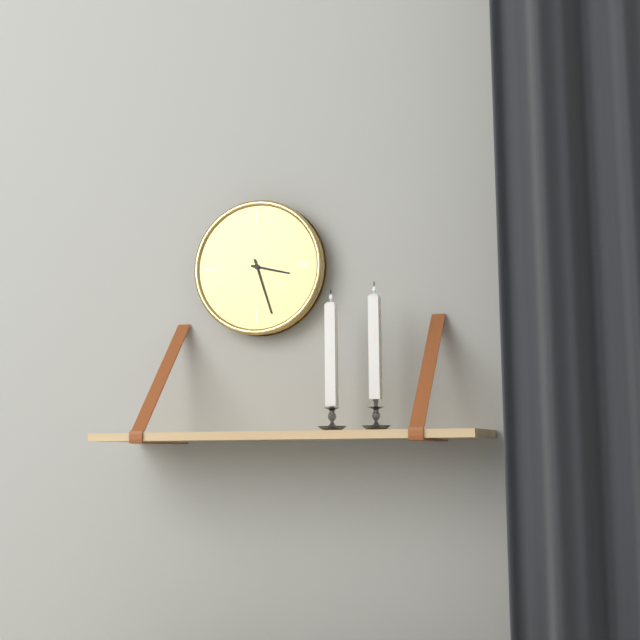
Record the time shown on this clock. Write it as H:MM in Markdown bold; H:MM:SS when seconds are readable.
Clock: **3:27**
